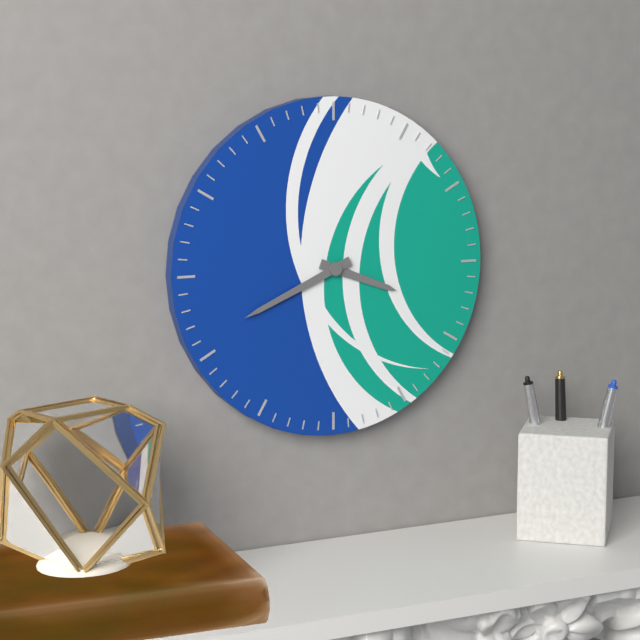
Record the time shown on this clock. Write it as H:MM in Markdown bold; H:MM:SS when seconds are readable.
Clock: **3:41**
